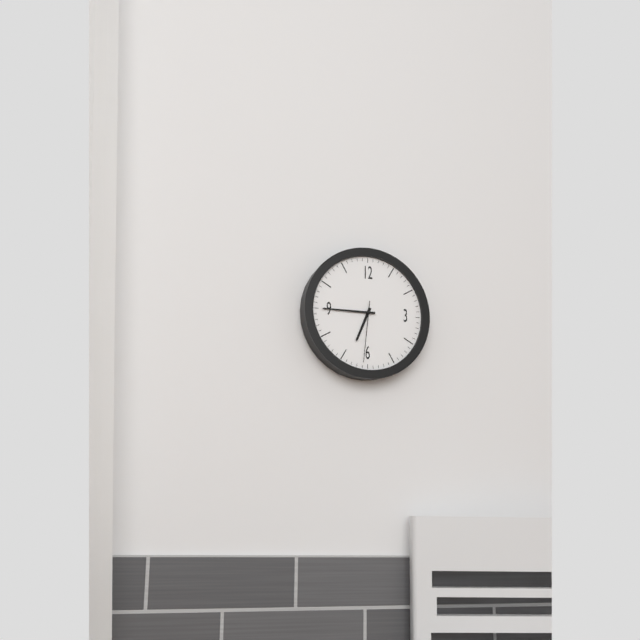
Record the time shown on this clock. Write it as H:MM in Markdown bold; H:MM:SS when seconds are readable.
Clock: **6:45:31**
